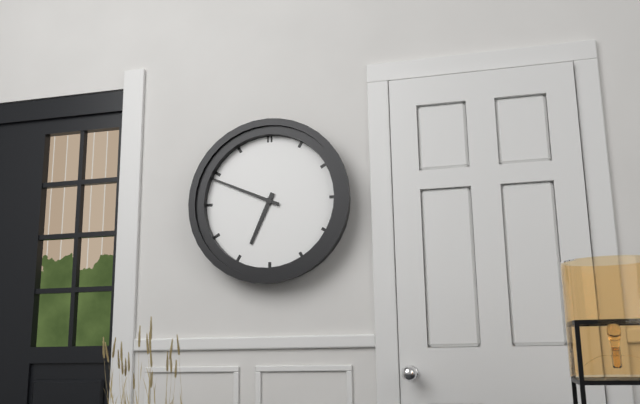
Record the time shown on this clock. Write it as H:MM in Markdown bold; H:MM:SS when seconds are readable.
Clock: **6:49**
